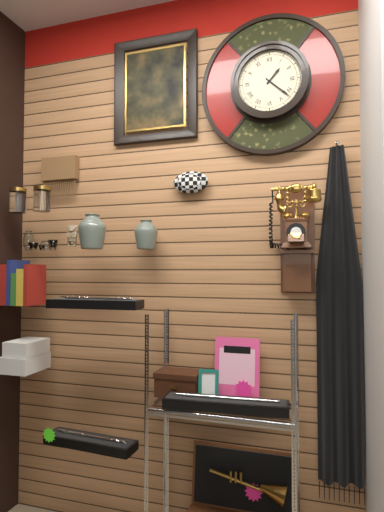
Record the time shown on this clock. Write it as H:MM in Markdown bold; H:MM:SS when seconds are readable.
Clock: **1:22**
